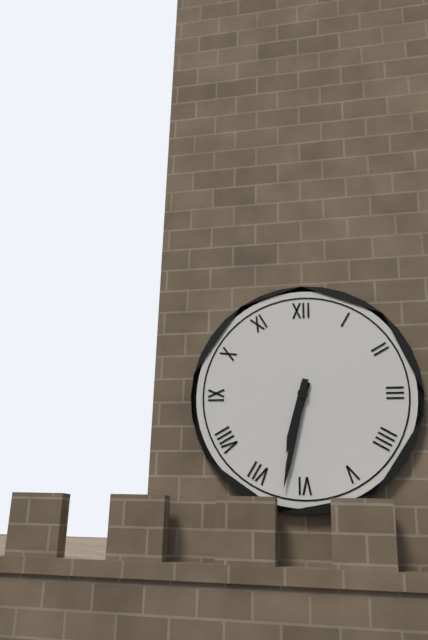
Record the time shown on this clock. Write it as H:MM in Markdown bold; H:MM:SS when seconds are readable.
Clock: **6:32**
